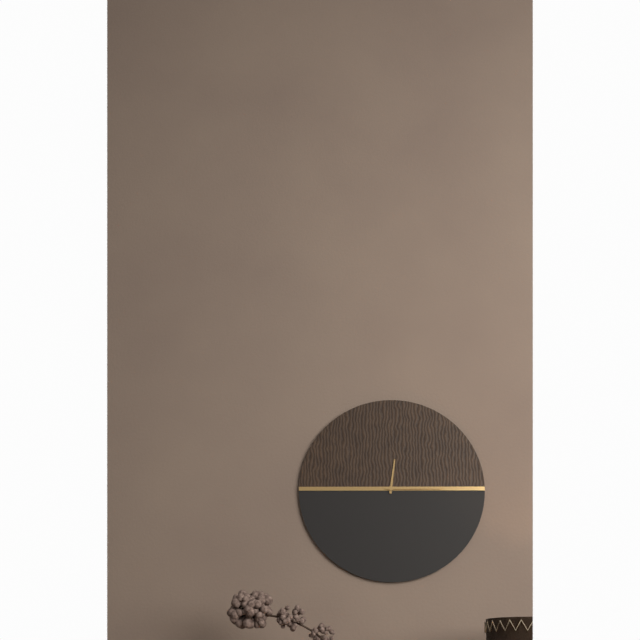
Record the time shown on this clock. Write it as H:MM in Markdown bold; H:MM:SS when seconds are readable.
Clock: **12:15**
